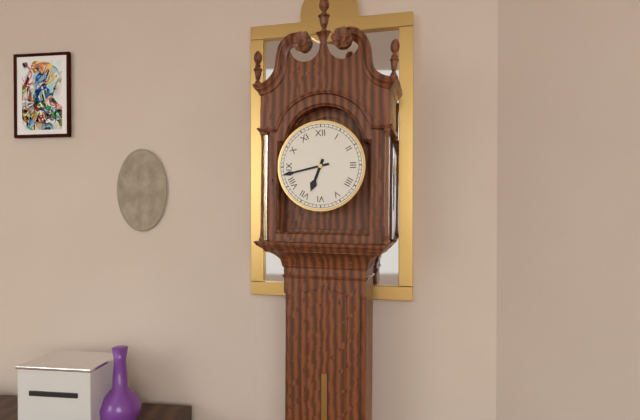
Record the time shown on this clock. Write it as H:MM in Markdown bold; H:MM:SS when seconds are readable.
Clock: **6:43**
